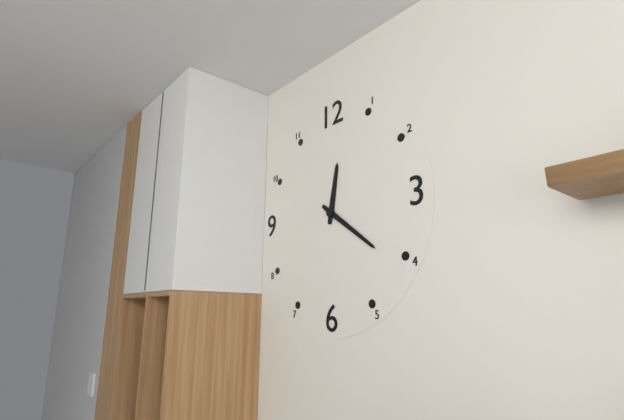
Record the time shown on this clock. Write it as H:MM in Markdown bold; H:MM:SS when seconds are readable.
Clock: **12:21**
